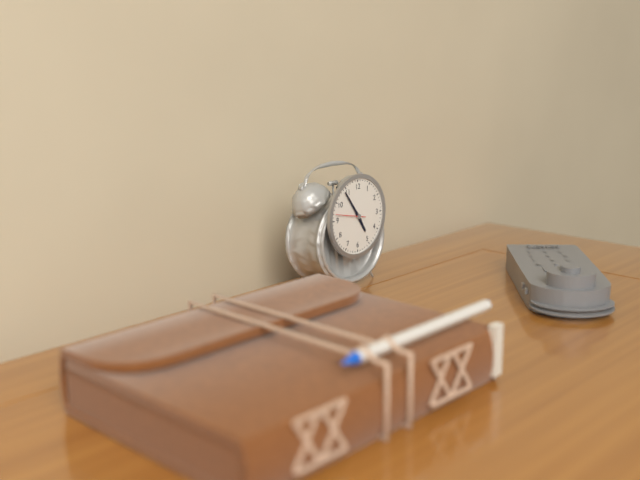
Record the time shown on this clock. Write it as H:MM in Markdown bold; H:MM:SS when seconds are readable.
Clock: **4:54**
